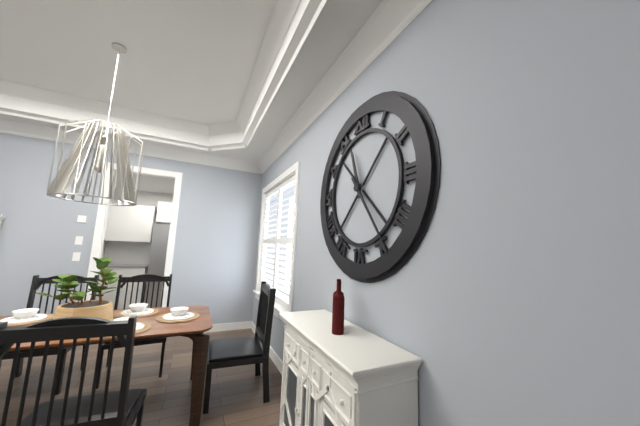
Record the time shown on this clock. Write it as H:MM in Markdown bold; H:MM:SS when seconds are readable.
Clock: **11:24**
